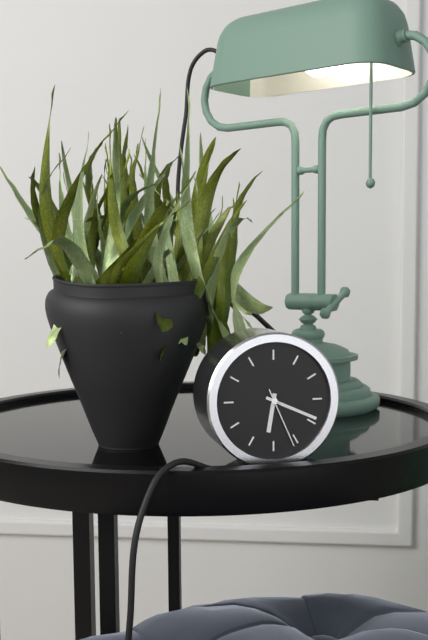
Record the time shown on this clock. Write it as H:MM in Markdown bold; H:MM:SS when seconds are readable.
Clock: **6:19:26**
